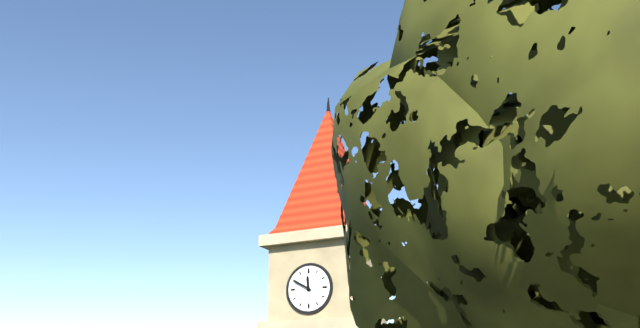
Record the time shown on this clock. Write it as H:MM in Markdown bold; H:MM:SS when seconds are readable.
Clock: **11:50**
